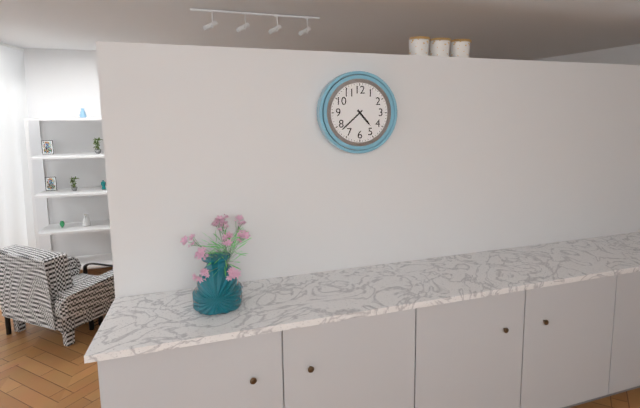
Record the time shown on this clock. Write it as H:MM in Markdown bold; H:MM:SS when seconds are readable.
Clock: **4:38**
